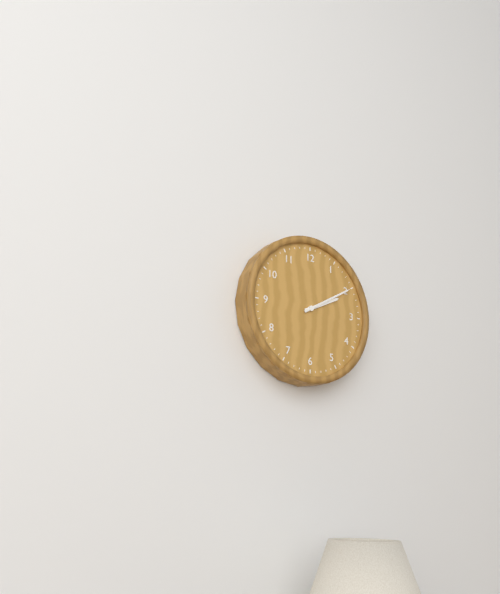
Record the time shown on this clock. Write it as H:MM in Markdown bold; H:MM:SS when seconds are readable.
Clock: **2:10**
